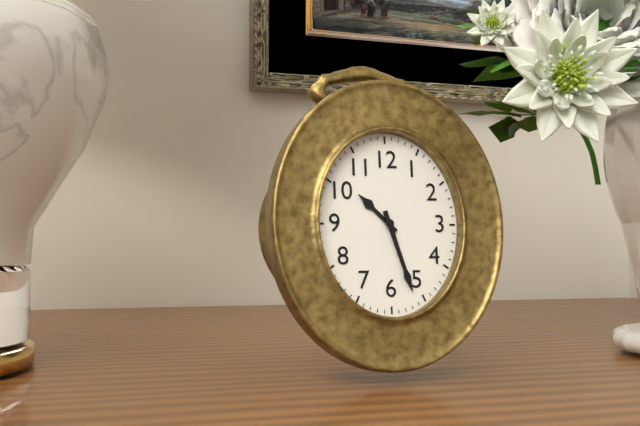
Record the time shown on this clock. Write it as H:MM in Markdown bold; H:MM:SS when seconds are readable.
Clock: **10:27**
